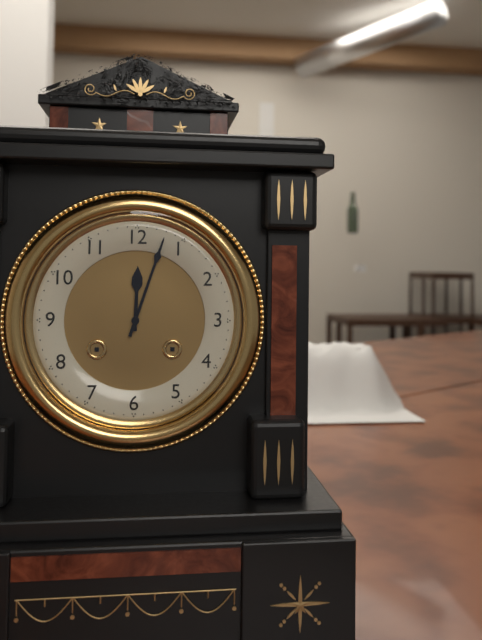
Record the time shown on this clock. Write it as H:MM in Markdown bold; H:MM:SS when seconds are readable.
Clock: **12:03**
